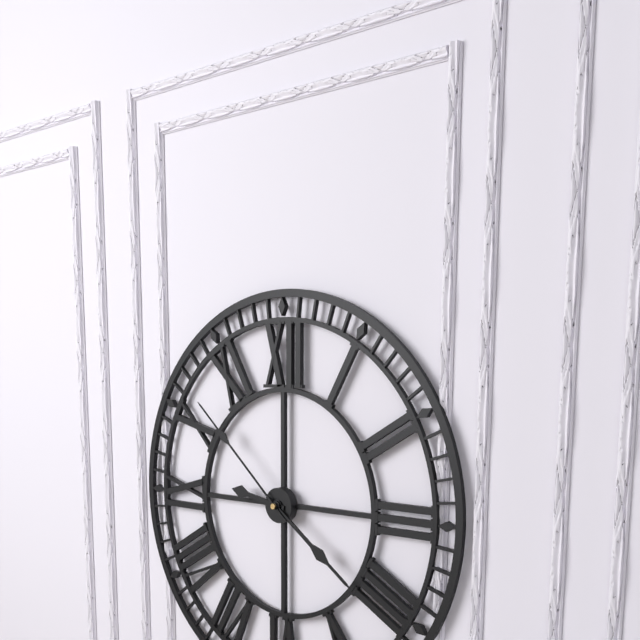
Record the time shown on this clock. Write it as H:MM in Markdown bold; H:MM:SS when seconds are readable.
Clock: **9:21:52**
